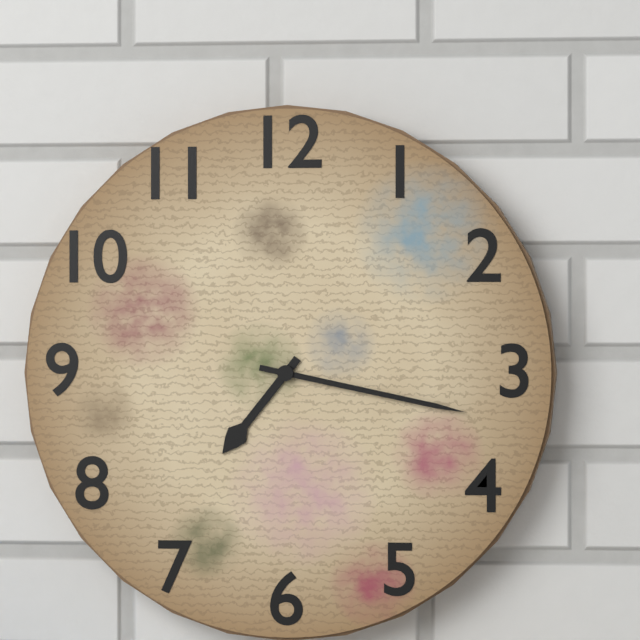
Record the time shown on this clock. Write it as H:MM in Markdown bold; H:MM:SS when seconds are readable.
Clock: **7:17**
